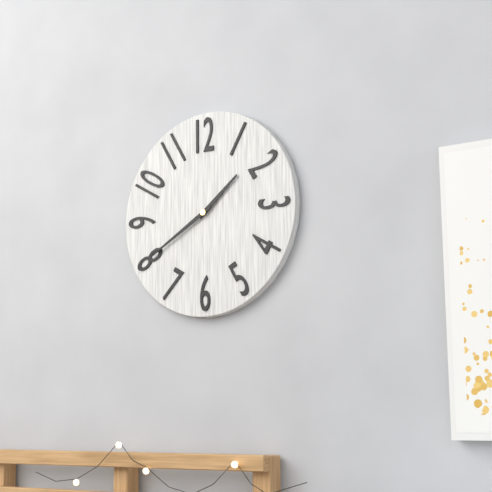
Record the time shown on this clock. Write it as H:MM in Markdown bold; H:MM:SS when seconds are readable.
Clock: **1:40**
